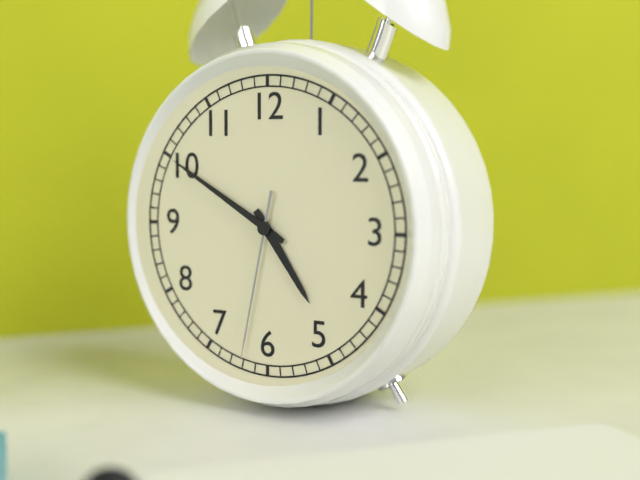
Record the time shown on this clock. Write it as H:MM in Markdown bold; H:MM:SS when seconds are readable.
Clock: **4:50:32**
